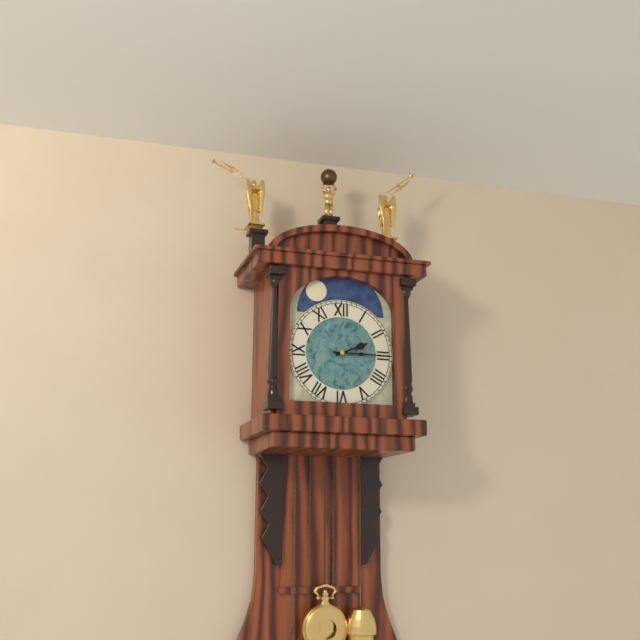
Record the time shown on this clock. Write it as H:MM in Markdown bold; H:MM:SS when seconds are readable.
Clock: **2:15**
